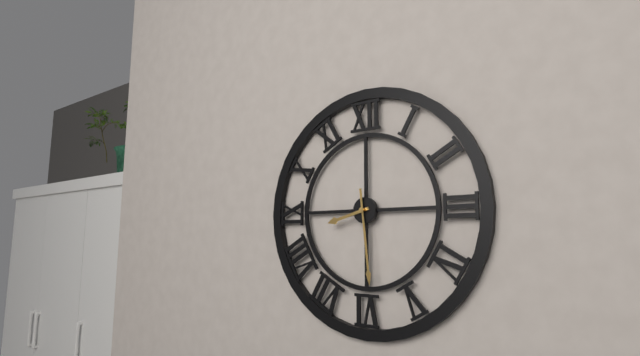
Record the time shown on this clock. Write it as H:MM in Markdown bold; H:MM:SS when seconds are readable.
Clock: **8:29**
